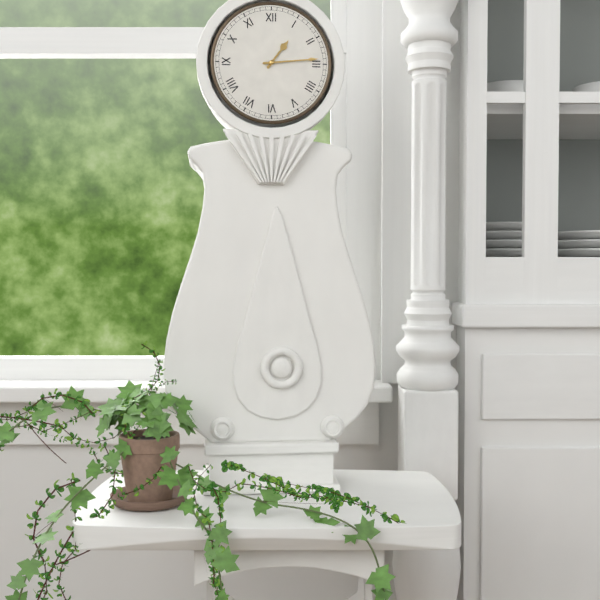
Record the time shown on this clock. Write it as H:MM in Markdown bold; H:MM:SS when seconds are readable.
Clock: **1:14**
